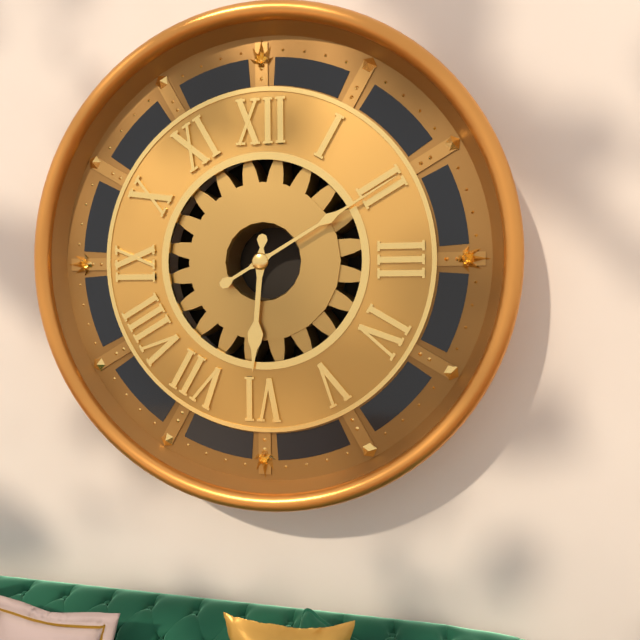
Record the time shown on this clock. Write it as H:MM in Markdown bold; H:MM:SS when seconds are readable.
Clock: **6:10**
